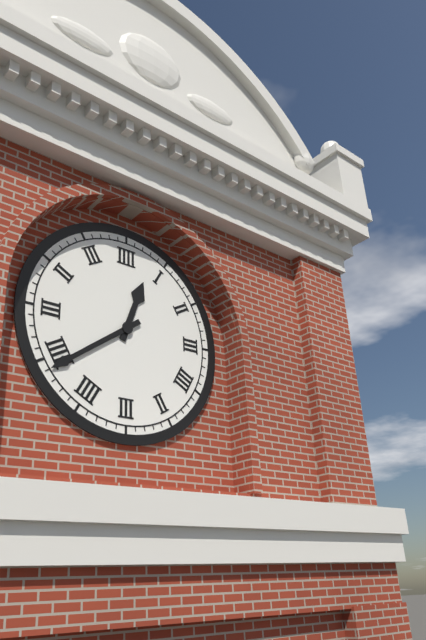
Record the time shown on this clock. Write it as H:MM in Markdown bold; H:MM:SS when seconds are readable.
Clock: **12:39**
